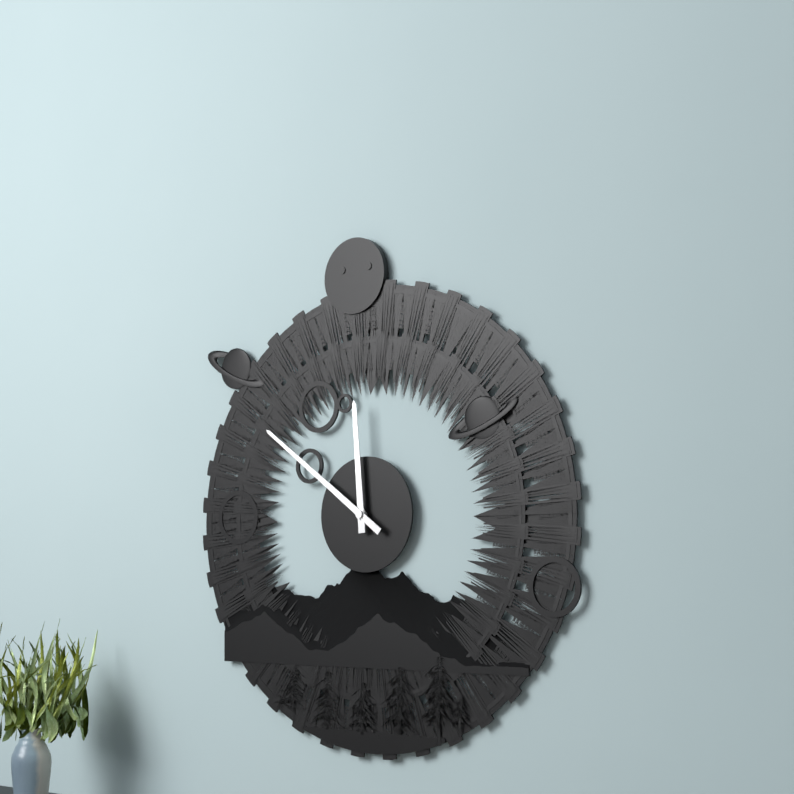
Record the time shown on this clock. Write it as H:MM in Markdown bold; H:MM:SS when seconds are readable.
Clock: **11:51**
